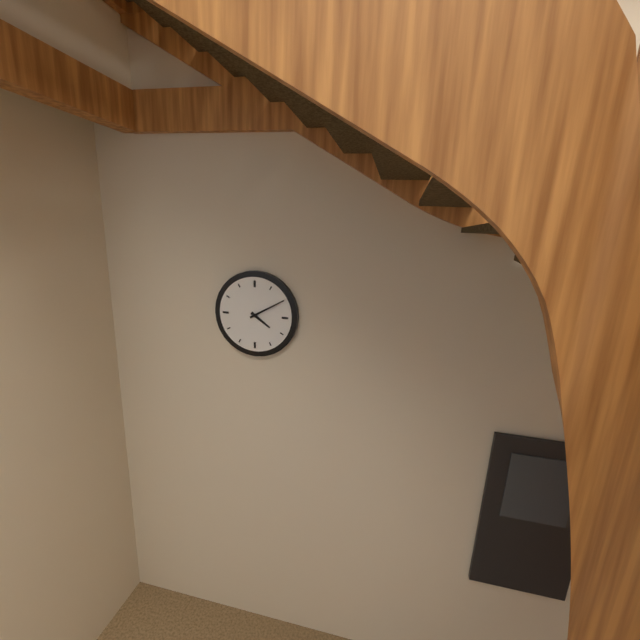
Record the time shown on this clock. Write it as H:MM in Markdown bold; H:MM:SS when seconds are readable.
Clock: **4:10**
